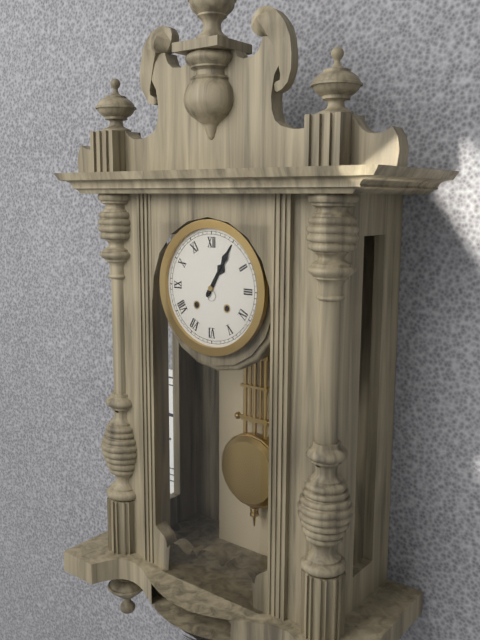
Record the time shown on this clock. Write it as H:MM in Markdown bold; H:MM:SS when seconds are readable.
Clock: **1:05**
